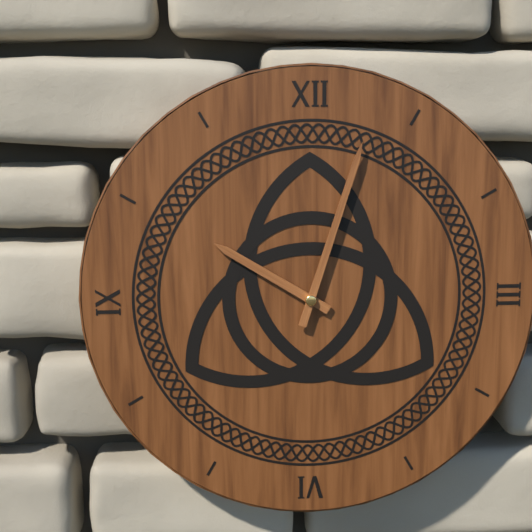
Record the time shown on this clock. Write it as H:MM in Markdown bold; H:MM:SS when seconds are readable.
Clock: **10:03**
